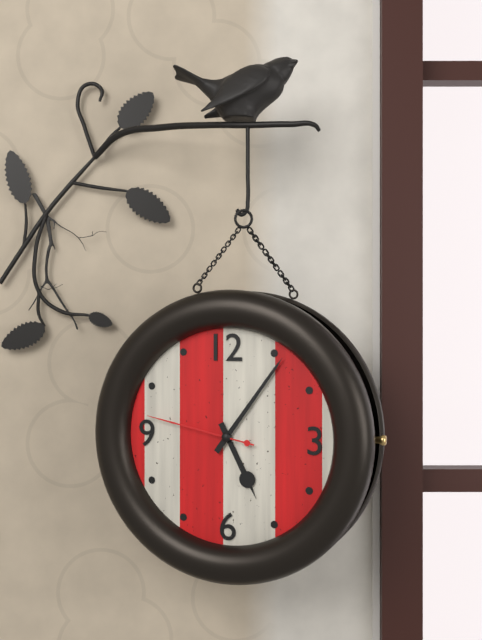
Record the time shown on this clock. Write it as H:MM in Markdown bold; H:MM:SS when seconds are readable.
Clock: **5:06:47**
